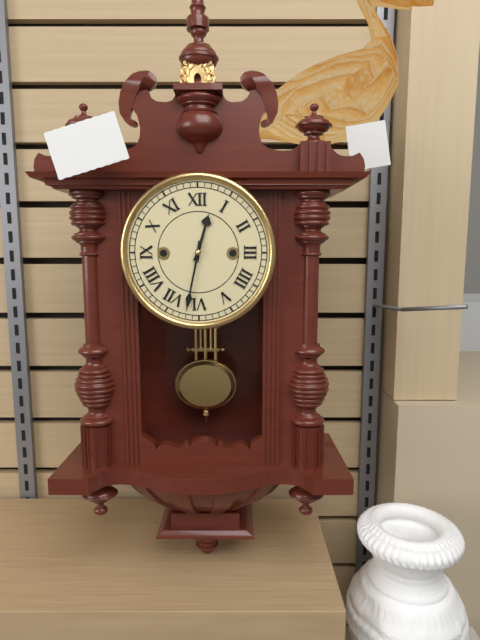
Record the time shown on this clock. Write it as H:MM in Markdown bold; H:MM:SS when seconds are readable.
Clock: **12:32**
